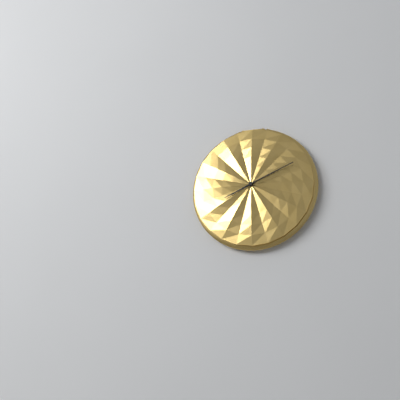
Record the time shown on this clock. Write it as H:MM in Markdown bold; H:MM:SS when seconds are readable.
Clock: **8:11**
